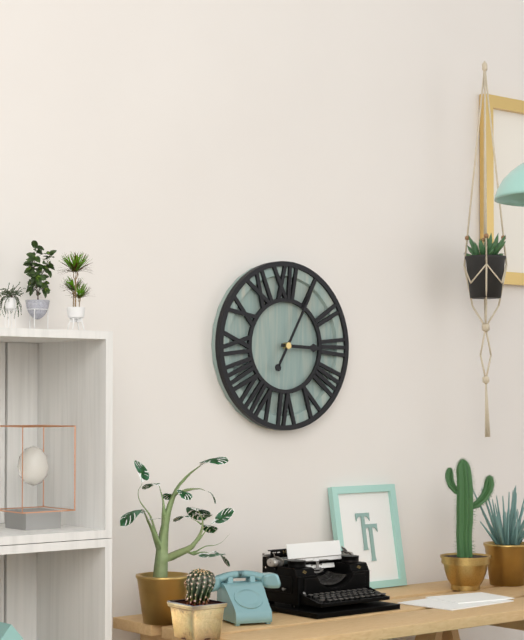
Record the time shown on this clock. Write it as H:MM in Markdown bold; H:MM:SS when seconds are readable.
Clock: **3:05**
